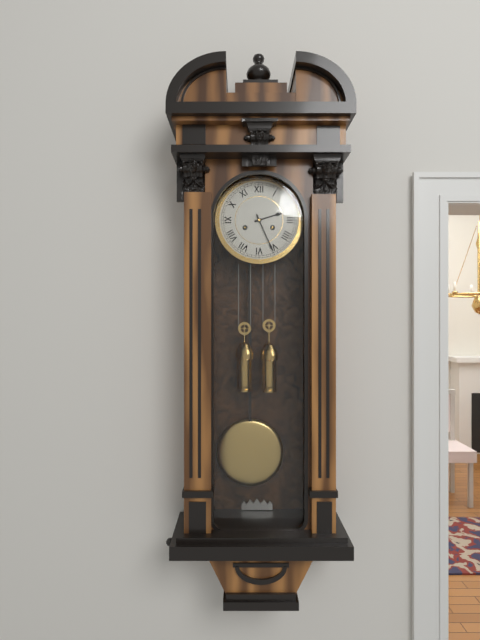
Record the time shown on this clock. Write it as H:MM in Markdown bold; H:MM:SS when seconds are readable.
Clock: **2:26**
